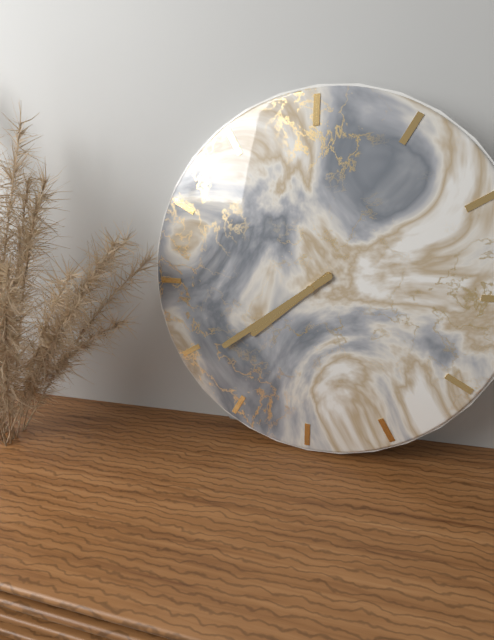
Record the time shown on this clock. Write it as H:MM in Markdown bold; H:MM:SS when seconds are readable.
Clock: **7:39**
